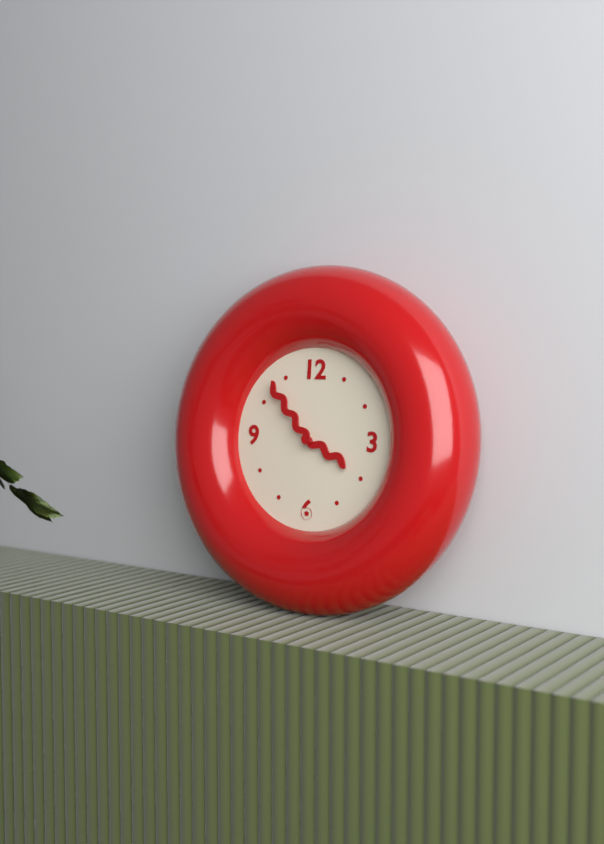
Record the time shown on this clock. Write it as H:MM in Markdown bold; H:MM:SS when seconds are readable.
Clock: **3:53**
